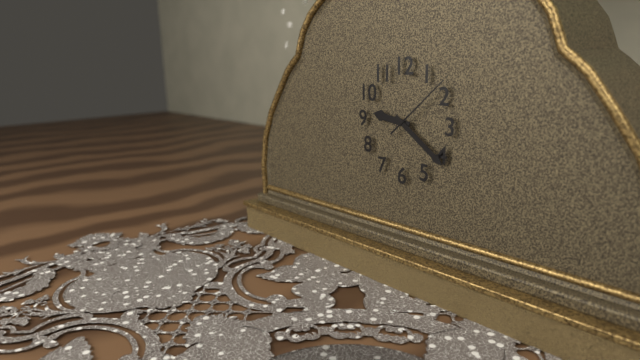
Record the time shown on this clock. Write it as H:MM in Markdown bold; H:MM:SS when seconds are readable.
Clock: **9:21:08**
